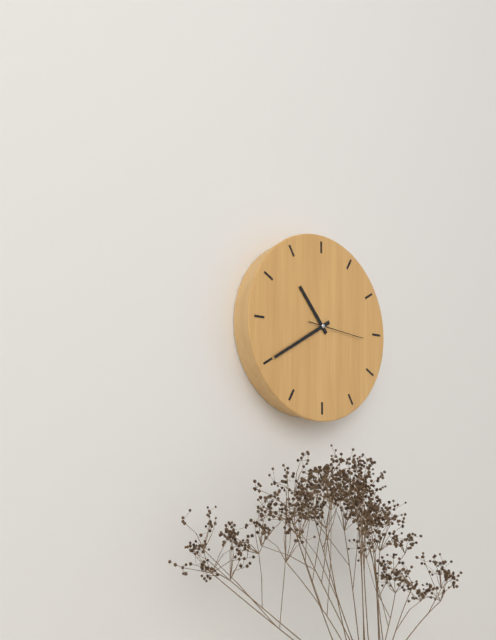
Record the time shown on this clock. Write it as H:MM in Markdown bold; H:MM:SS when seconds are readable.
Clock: **10:40:16**
